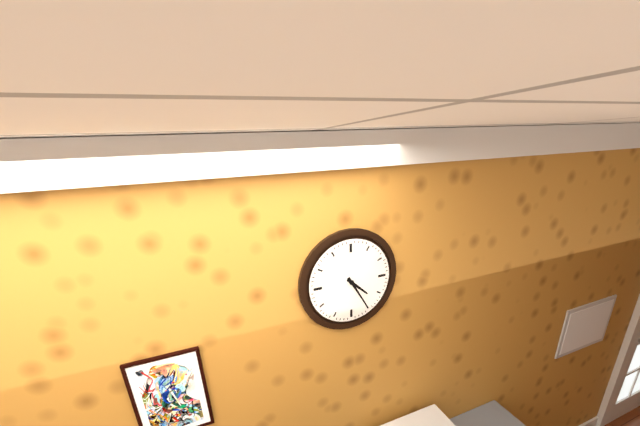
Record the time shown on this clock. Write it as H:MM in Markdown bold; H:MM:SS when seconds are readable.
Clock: **4:25**
